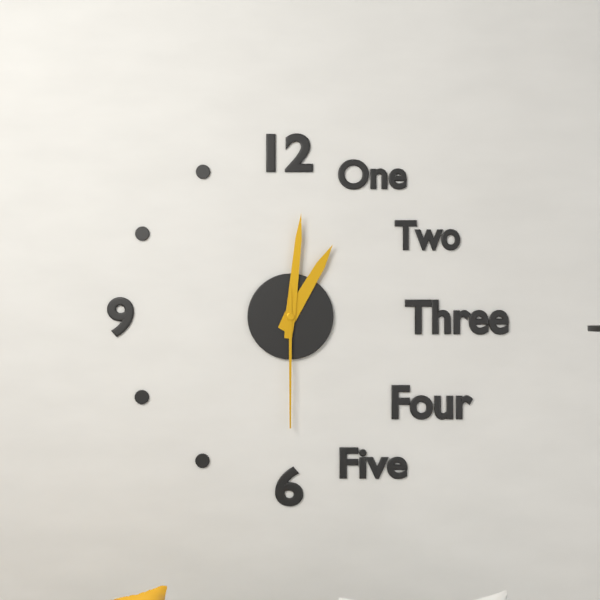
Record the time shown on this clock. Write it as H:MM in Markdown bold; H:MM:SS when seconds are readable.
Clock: **1:01:30**
